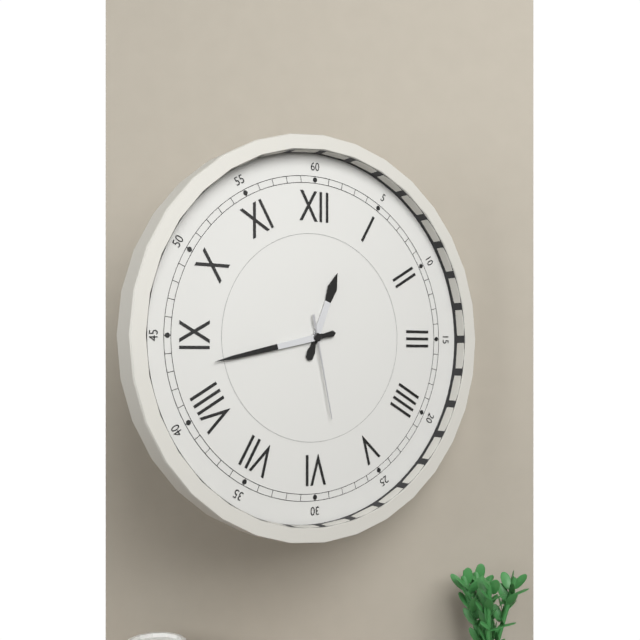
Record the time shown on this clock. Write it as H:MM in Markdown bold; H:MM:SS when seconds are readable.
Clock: **12:43:28**
